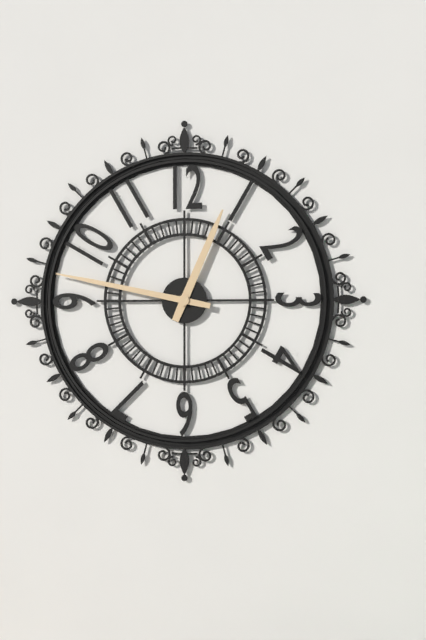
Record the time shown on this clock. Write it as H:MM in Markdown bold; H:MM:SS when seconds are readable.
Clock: **12:47**
